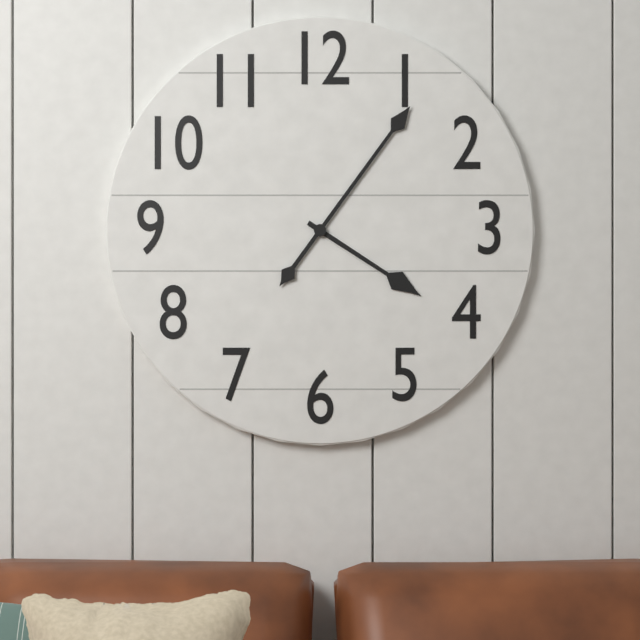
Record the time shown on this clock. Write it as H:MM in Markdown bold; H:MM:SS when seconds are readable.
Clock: **4:06**
